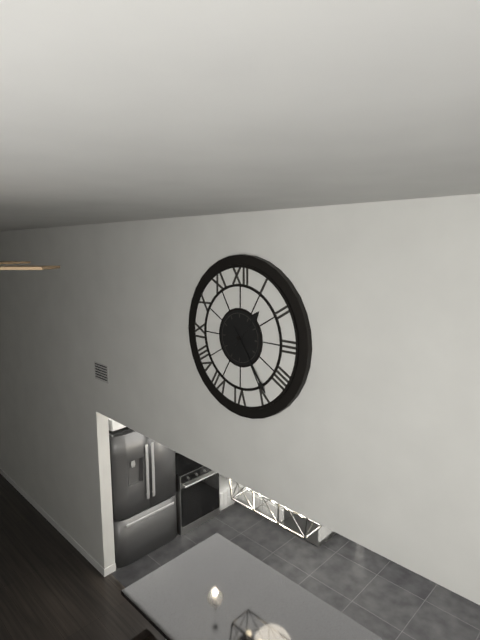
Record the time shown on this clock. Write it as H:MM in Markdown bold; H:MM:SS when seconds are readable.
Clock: **1:24**
